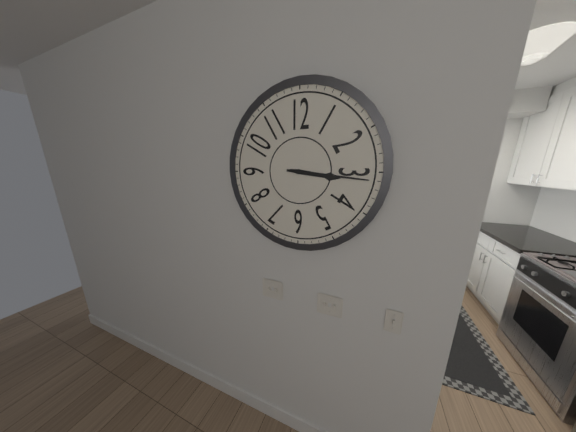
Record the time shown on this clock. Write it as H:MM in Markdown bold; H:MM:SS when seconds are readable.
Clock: **3:16**
